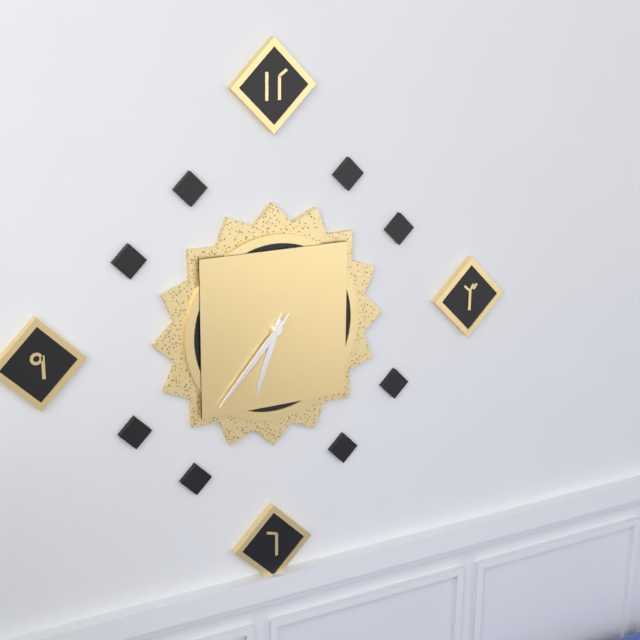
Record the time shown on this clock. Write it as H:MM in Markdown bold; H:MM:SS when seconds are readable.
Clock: **6:37**
